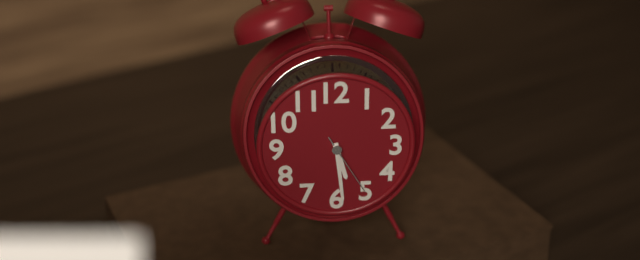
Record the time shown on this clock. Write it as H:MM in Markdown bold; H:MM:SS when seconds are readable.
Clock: **5:29:25**
